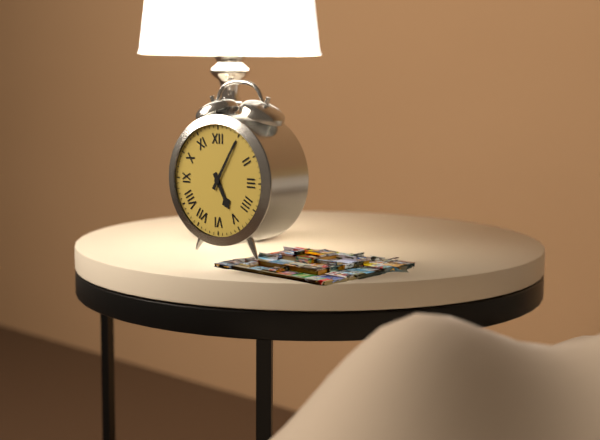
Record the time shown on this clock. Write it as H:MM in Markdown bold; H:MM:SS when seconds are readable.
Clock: **5:05**
